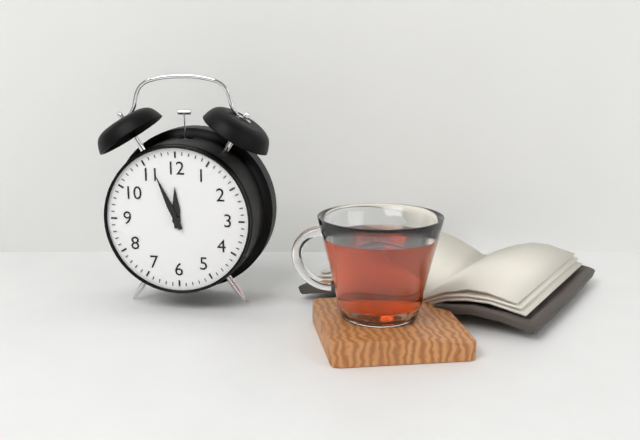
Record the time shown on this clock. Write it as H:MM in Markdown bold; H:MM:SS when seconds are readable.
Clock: **11:56**
